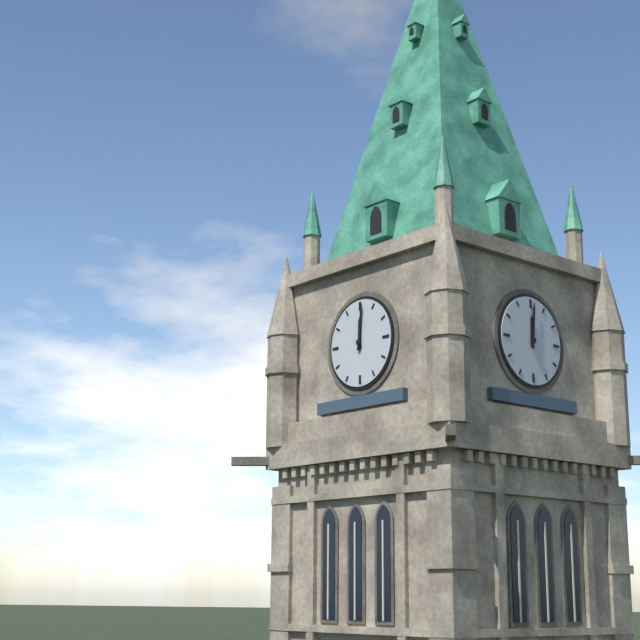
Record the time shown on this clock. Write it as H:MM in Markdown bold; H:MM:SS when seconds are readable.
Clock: **12:01**
